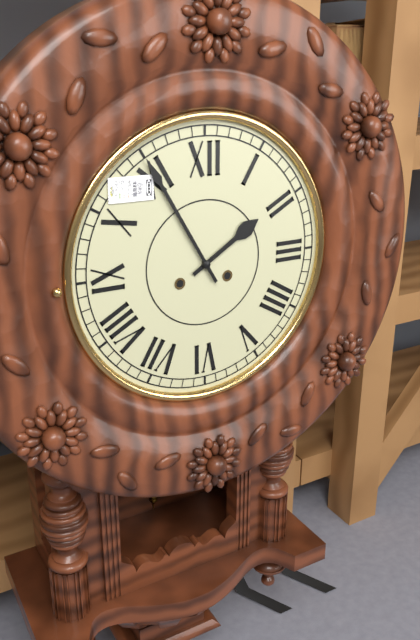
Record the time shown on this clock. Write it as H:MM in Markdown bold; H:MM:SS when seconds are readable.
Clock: **1:55**
